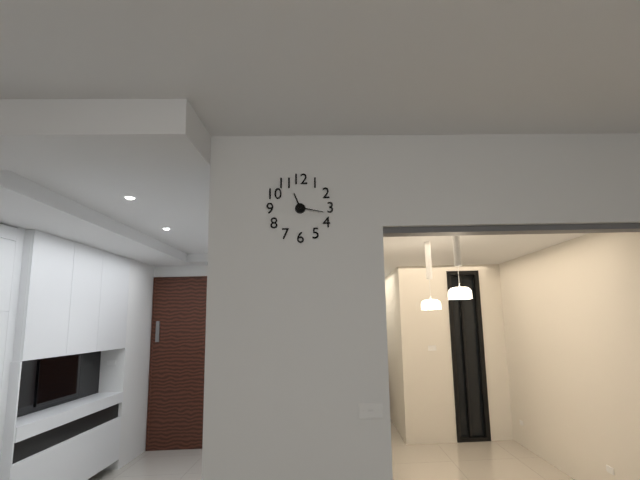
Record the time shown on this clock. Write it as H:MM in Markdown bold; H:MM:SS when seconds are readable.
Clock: **11:17**
